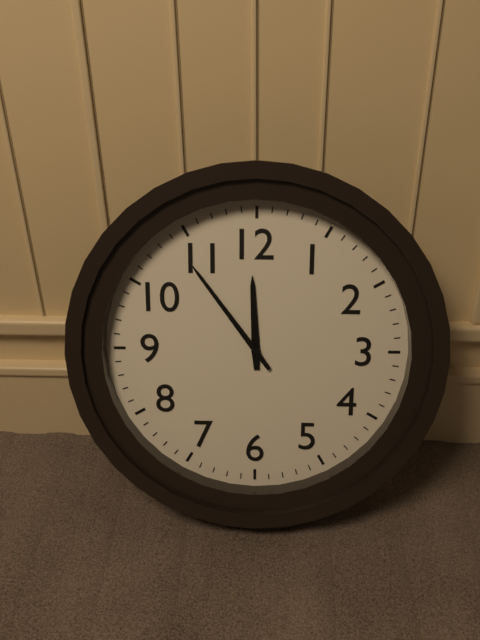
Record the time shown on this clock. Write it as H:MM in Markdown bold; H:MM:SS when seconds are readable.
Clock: **11:54**
